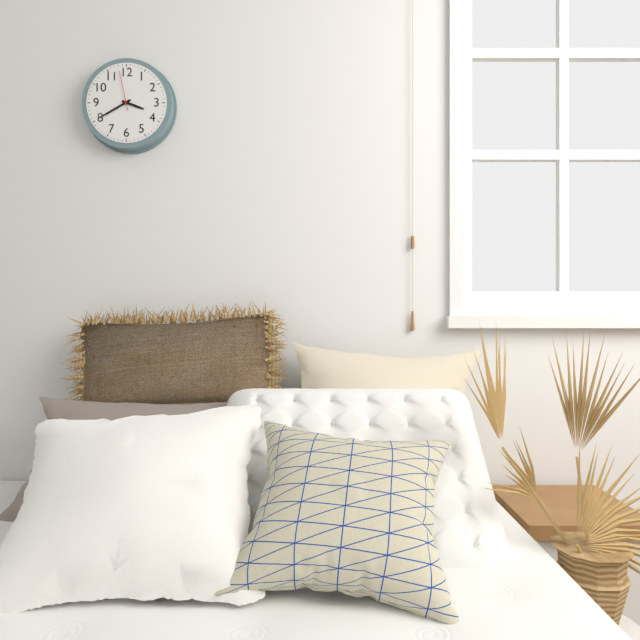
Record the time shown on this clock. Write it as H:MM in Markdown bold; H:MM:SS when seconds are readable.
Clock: **3:40**
